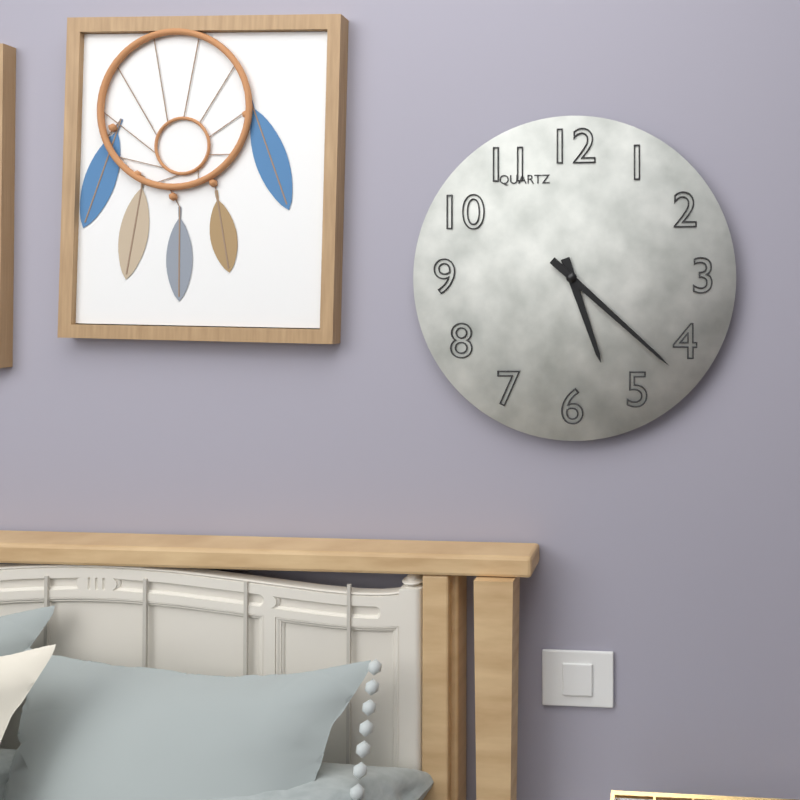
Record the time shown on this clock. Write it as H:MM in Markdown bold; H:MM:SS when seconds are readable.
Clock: **5:22**
